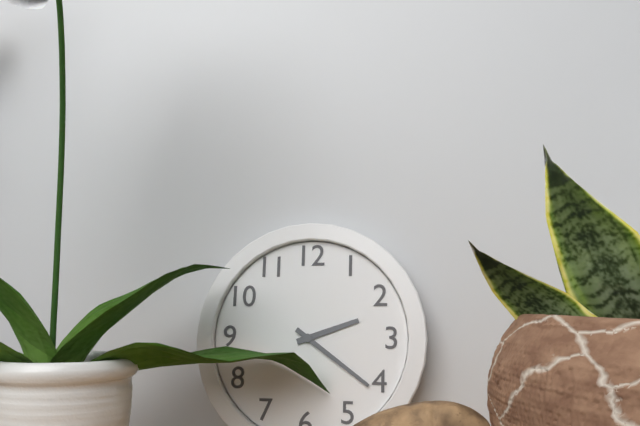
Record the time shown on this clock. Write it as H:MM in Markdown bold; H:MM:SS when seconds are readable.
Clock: **2:21**
